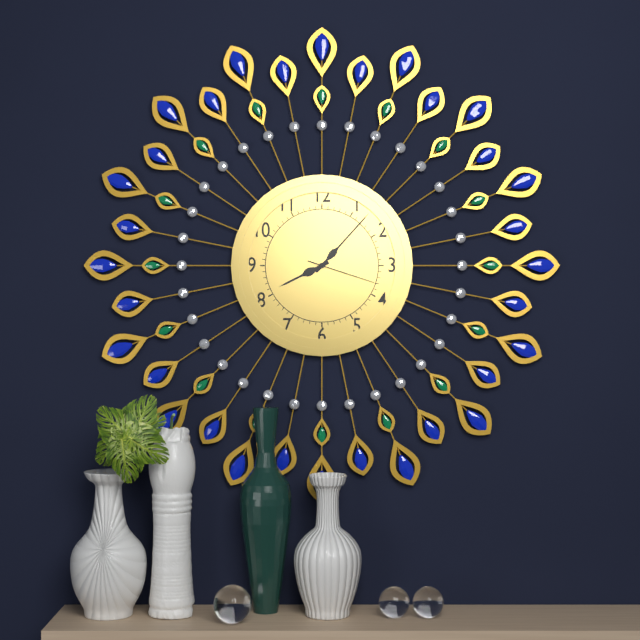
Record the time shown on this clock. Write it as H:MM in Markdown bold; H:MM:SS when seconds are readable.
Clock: **8:07:18**
